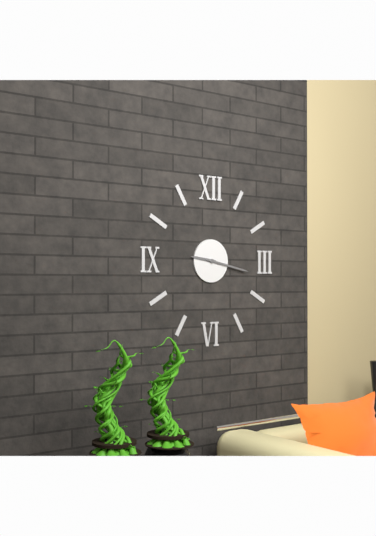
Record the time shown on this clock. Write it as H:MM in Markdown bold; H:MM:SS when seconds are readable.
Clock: **9:17**
